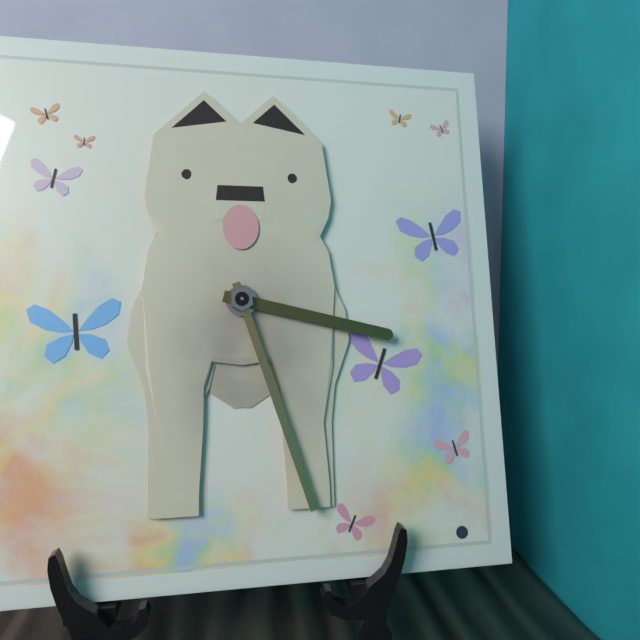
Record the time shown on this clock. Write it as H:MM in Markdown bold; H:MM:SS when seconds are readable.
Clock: **3:27**
